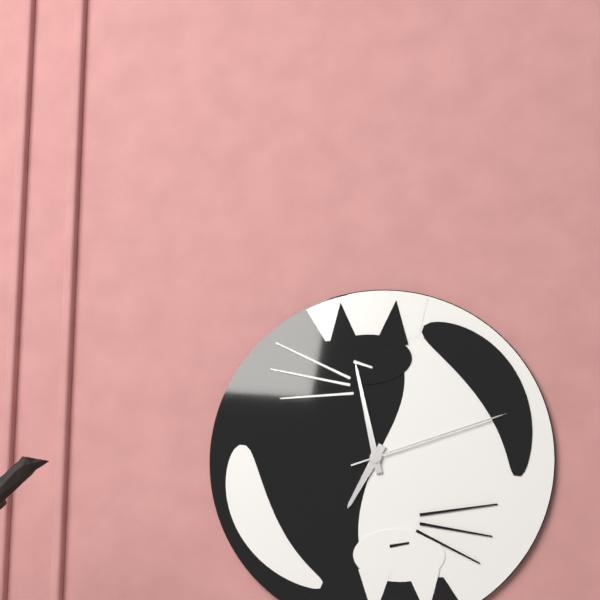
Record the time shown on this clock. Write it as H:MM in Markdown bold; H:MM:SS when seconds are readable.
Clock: **6:58:12**
